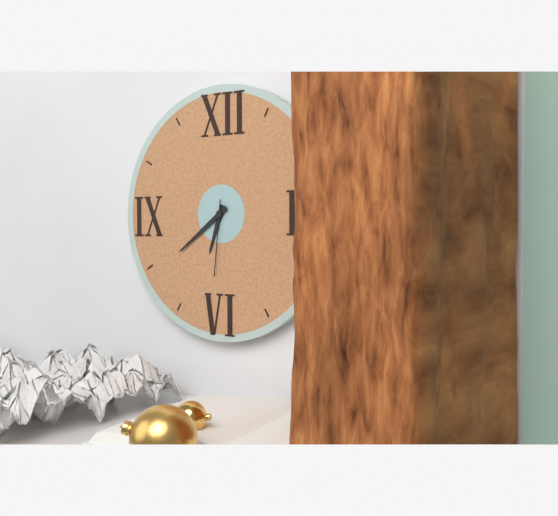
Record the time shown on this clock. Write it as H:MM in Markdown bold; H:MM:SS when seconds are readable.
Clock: **6:39:31**
